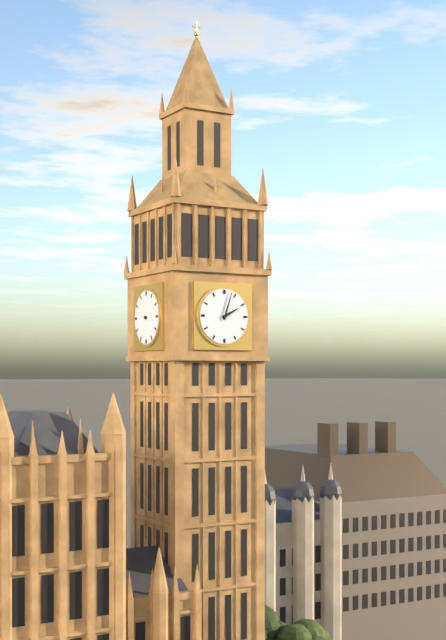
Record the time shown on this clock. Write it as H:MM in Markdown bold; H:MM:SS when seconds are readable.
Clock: **2:03**
